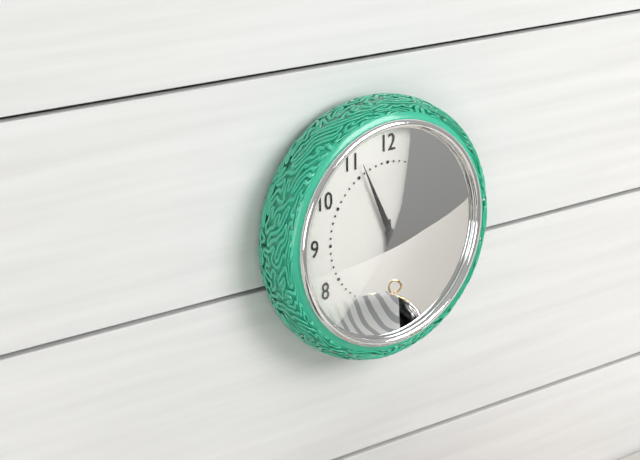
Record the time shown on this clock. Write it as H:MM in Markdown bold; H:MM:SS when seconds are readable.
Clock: **5:56**
